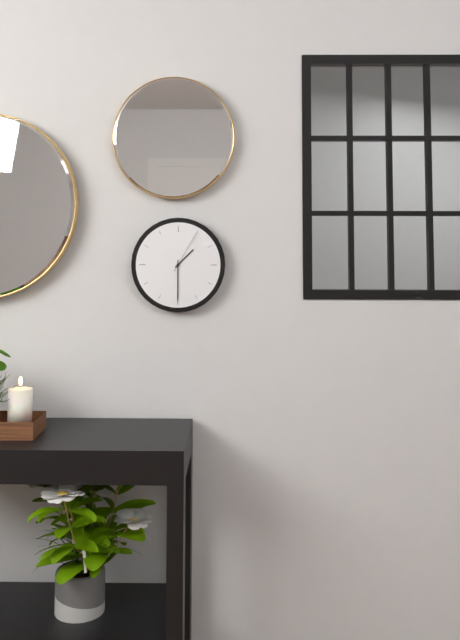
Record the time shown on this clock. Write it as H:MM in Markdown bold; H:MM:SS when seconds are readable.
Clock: **1:30**
